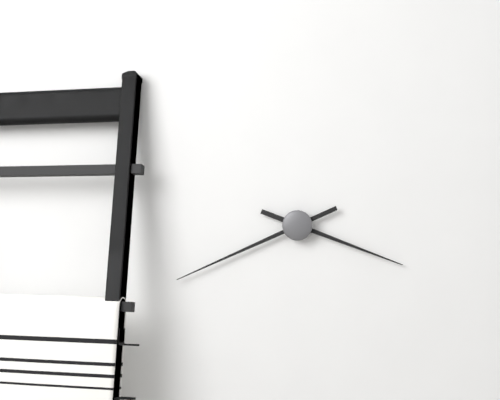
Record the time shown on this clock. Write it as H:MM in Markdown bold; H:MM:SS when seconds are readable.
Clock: **3:41**
